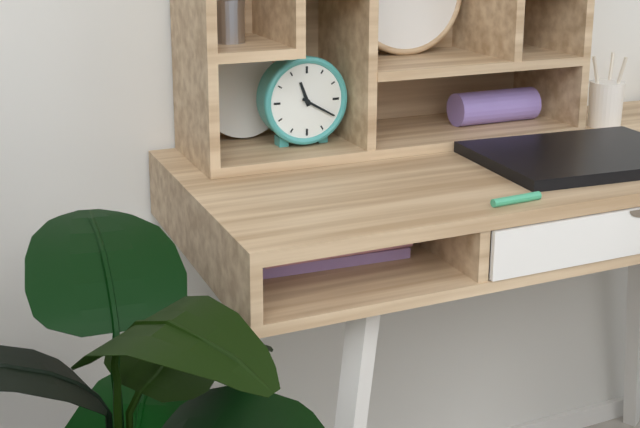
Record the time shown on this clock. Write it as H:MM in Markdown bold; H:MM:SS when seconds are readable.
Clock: **11:20**
